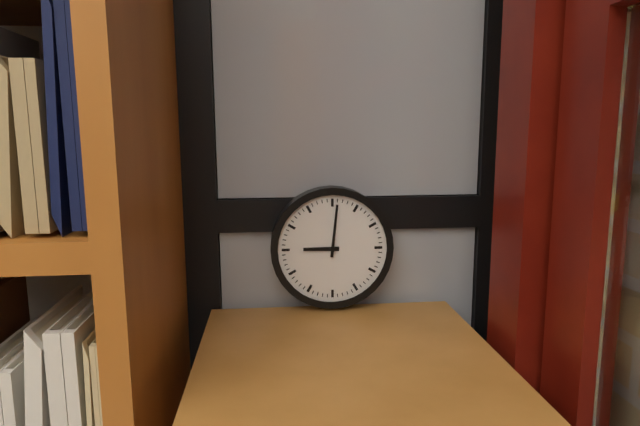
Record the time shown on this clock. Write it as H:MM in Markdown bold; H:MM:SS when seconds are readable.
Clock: **9:01**
